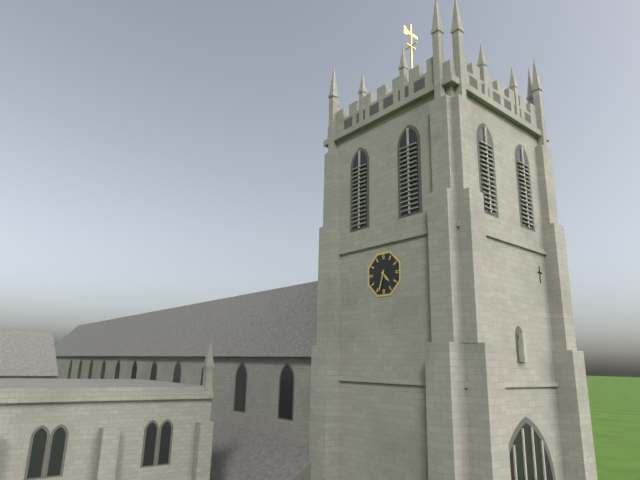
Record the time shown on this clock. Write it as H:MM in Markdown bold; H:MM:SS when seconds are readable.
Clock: **4:33**
